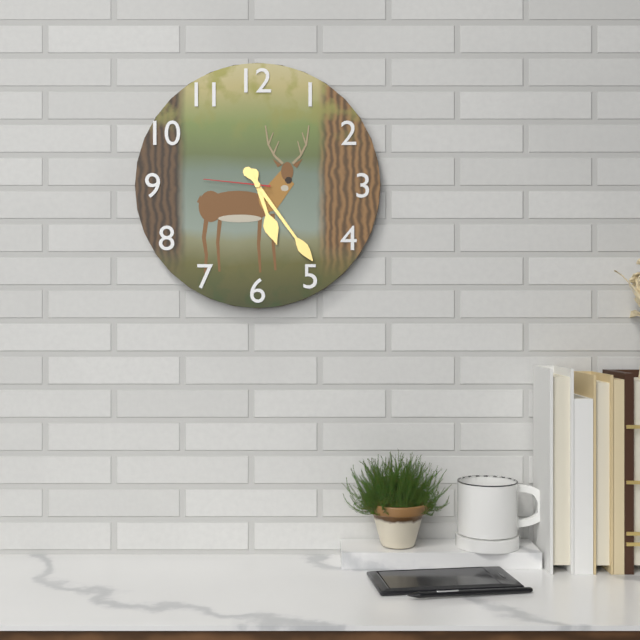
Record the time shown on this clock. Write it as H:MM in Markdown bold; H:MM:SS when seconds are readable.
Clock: **5:24:46**
